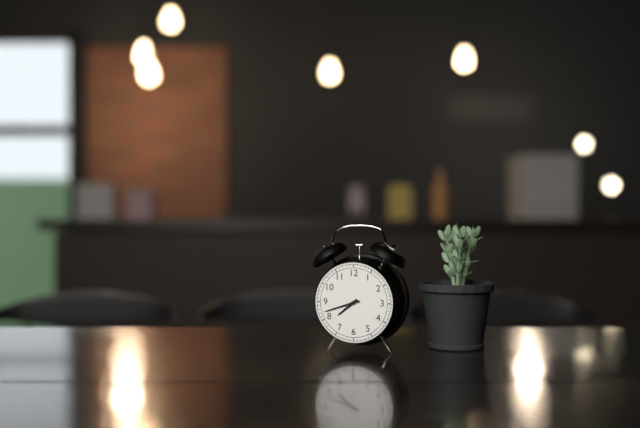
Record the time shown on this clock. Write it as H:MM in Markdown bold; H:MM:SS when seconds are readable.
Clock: **7:42**
